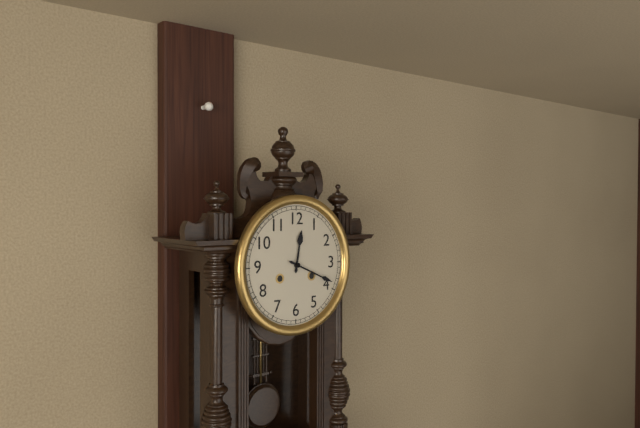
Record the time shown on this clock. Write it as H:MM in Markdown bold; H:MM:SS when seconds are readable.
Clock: **12:19**
